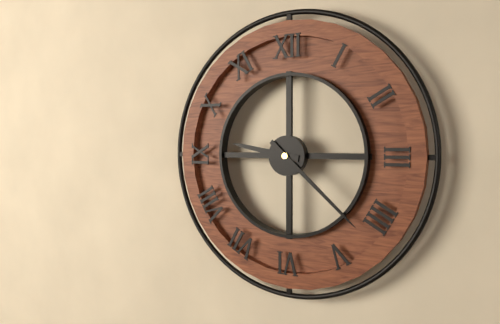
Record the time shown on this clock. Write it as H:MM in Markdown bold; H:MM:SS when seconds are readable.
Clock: **9:22**
